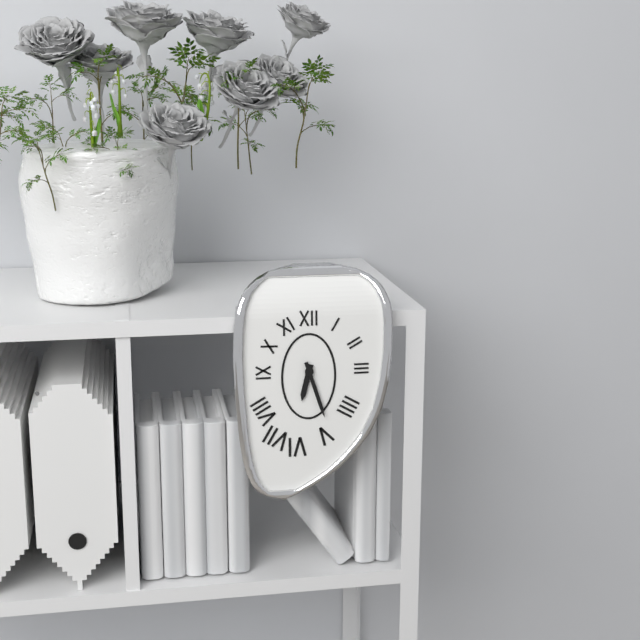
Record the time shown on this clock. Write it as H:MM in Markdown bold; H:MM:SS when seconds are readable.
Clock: **6:27**
